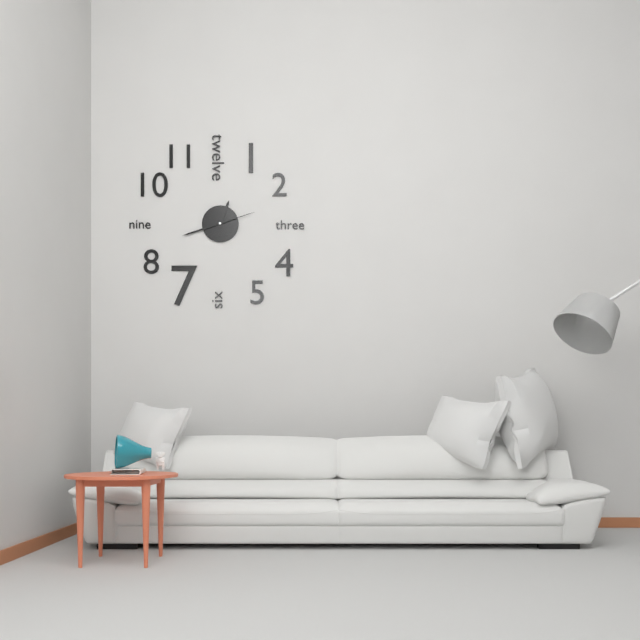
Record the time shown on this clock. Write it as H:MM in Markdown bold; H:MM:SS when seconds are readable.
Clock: **12:42**
